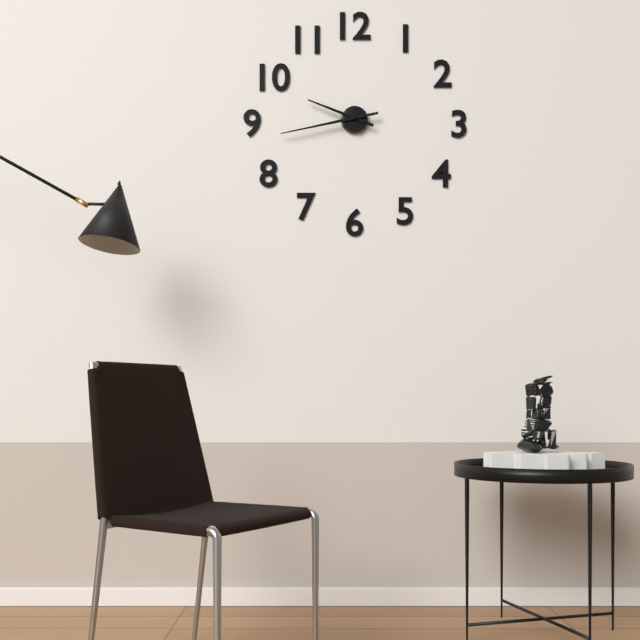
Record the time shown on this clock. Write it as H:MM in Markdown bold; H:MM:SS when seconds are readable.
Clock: **9:43**
